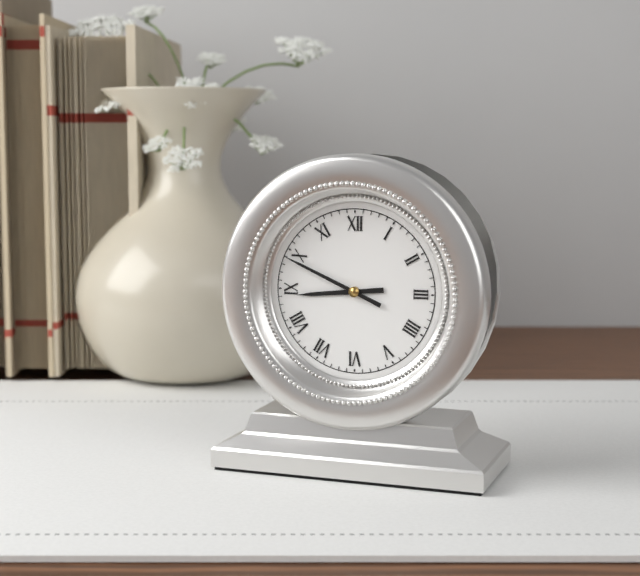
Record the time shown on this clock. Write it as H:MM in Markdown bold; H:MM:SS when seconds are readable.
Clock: **8:49**
